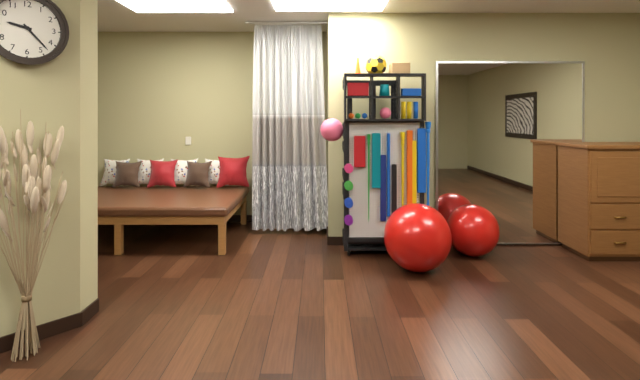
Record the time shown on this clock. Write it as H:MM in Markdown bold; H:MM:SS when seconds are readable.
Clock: **9:23**
